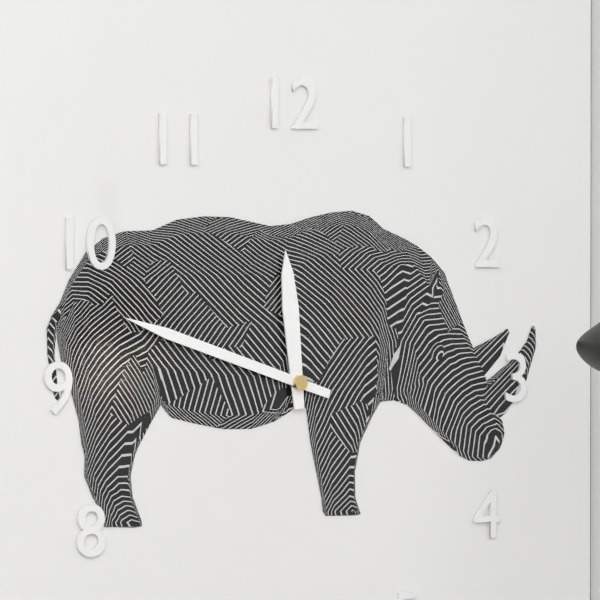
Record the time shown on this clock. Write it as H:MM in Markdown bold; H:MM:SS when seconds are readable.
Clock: **11:48**
